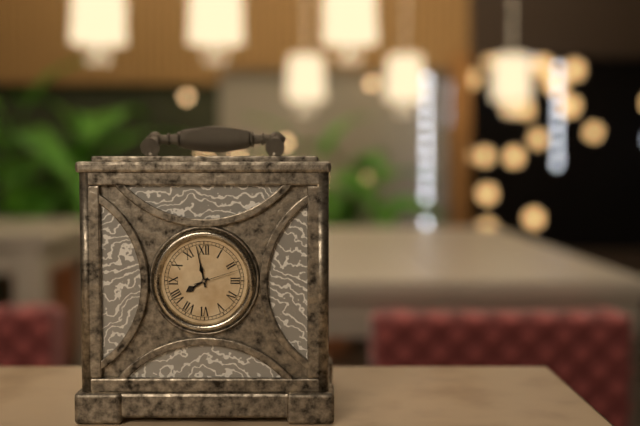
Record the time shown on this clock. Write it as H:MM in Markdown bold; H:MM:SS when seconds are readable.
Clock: **7:58**
